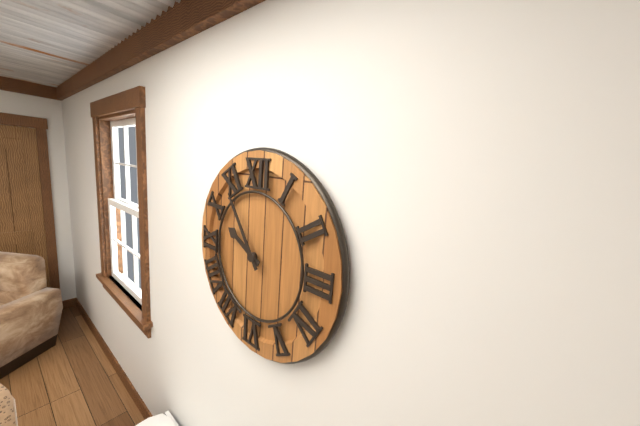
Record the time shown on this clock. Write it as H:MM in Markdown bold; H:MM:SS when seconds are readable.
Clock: **9:54**
